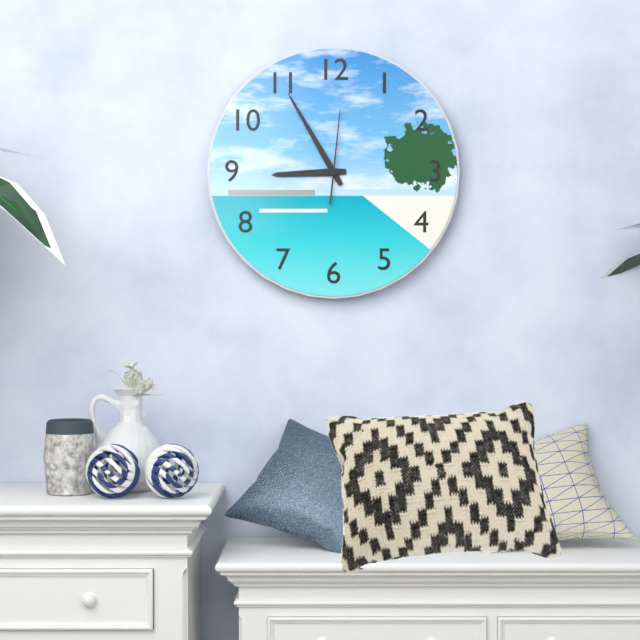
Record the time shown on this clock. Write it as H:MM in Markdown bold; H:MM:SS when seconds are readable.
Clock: **8:55:01**
